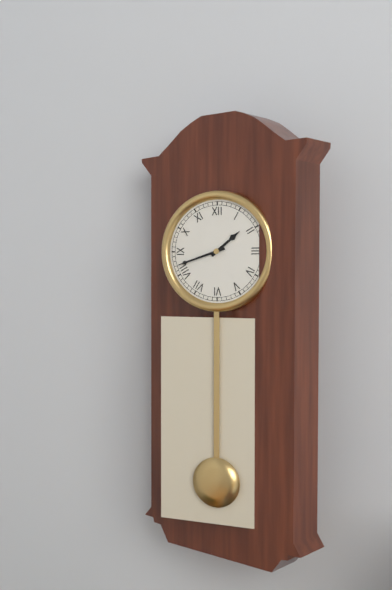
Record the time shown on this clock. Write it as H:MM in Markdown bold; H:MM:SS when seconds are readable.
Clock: **1:42**
